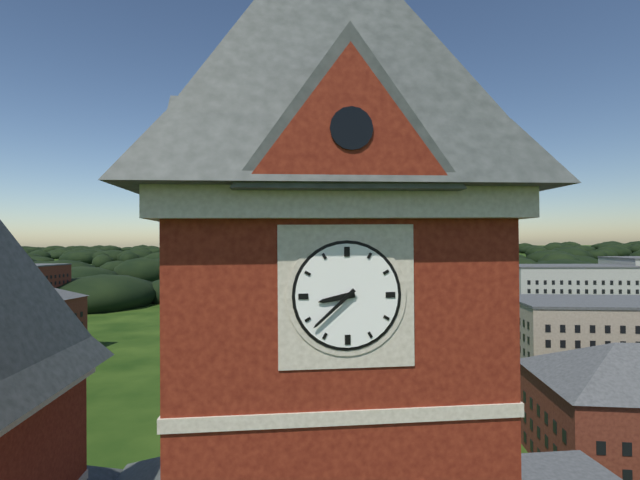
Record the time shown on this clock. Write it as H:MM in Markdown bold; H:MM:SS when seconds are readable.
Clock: **8:38**
